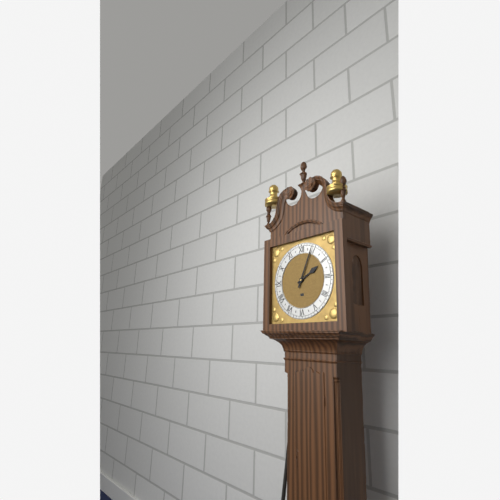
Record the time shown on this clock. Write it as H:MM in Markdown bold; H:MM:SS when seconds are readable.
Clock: **2:04**
